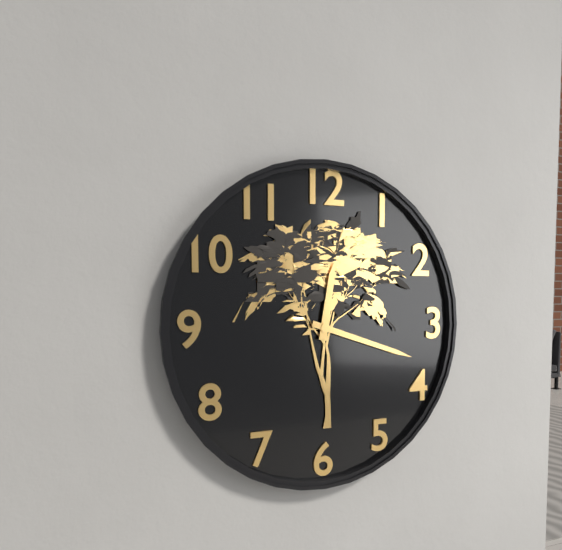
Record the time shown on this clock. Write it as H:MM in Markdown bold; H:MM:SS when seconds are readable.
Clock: **12:18**
